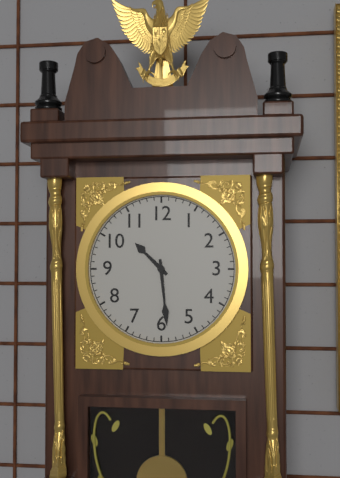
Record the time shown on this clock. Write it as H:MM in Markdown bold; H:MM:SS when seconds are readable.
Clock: **10:29**
